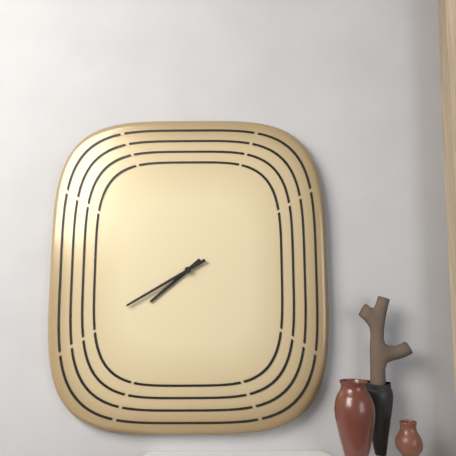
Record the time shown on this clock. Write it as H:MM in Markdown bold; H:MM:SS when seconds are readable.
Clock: **7:40**
